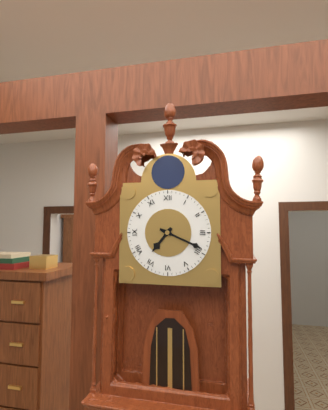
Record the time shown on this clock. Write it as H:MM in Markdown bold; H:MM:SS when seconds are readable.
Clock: **7:19**
